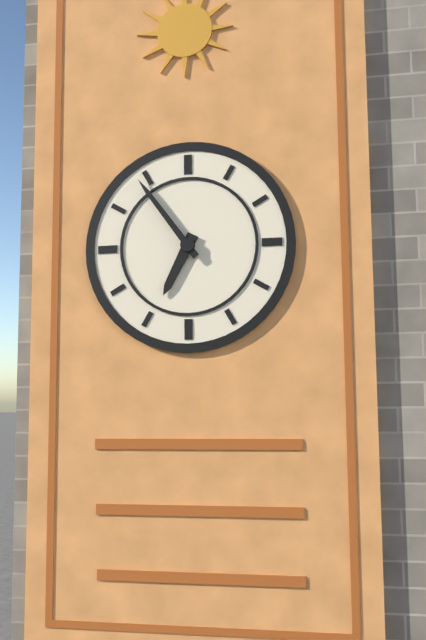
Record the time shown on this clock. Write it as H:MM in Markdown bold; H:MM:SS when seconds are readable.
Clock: **6:54**
